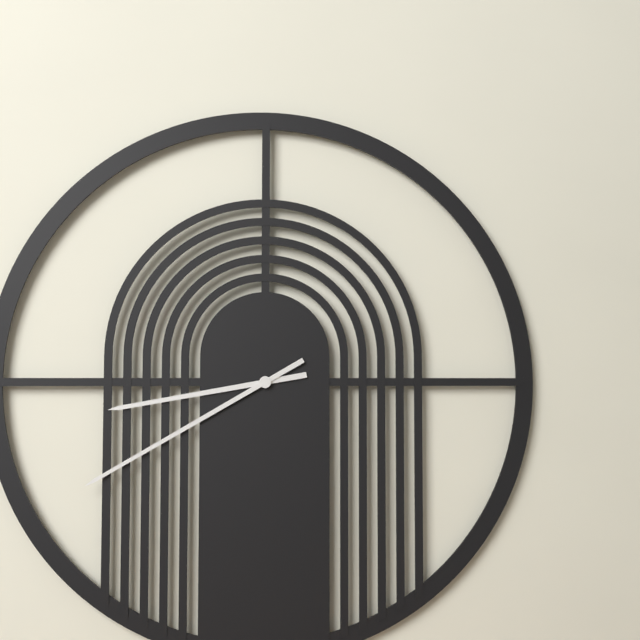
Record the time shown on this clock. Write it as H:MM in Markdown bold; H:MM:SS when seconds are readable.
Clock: **8:40**
